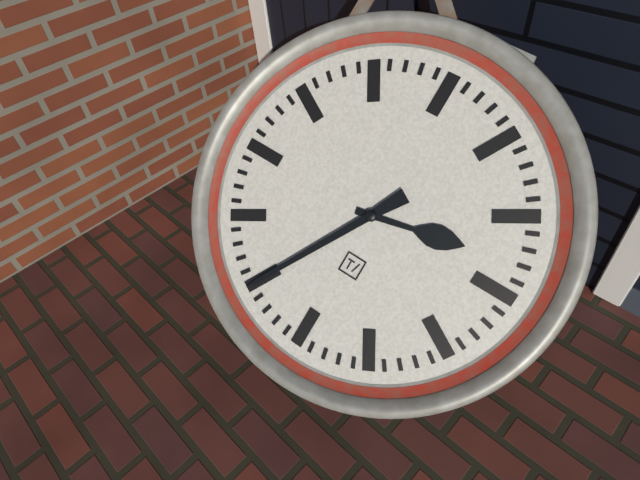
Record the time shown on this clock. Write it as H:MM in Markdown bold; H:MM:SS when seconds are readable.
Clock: **2:35**
